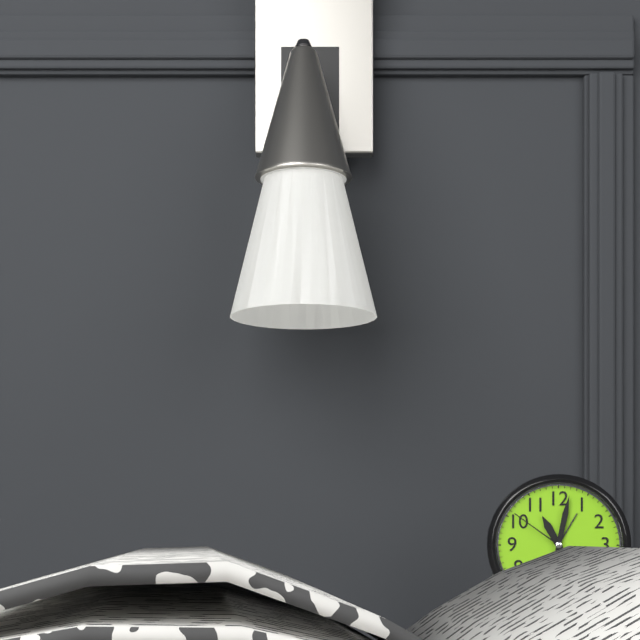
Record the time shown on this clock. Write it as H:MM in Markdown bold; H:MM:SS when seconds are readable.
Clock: **11:02:51**
